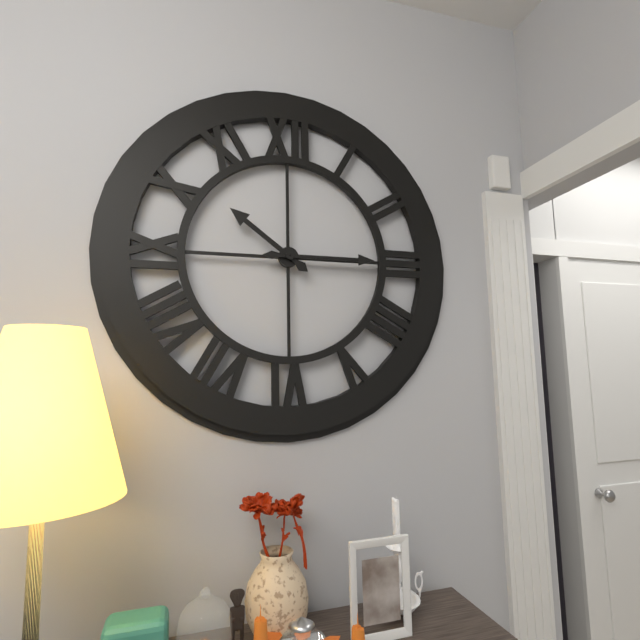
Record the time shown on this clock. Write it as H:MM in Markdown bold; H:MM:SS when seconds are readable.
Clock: **10:15**
